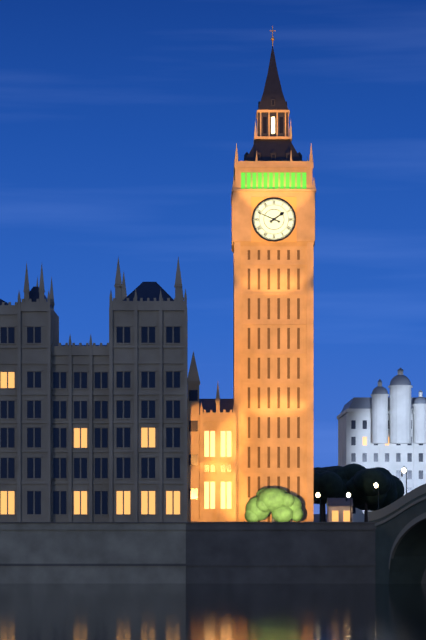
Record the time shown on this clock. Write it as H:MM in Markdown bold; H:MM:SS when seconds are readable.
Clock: **1:49**
